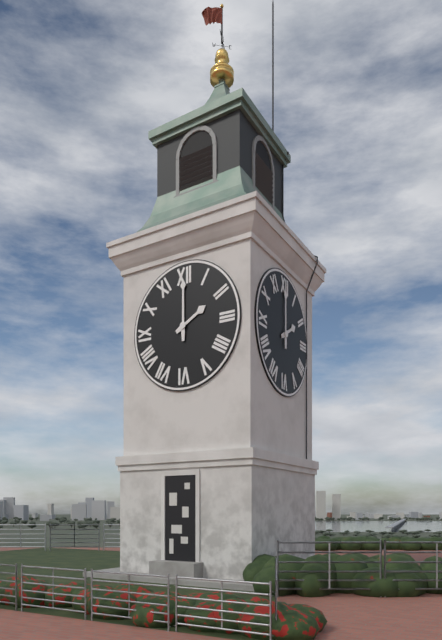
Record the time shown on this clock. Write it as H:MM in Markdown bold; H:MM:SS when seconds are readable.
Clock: **2:00**
